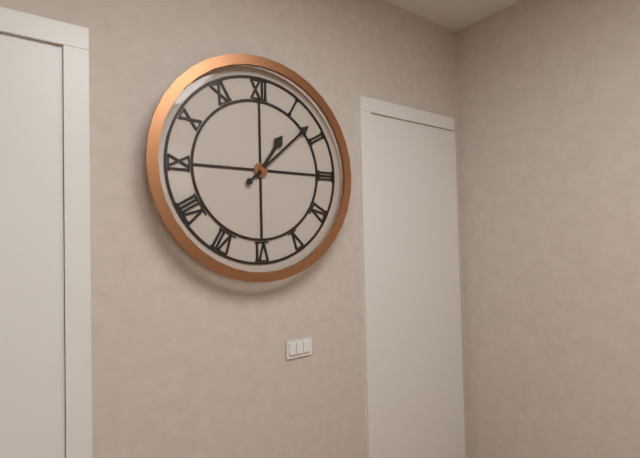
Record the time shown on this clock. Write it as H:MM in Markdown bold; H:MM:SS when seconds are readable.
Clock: **1:08**
